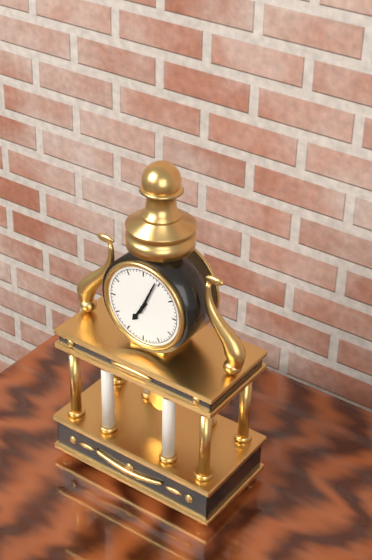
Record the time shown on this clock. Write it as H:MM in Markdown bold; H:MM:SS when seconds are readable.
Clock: **7:04**
